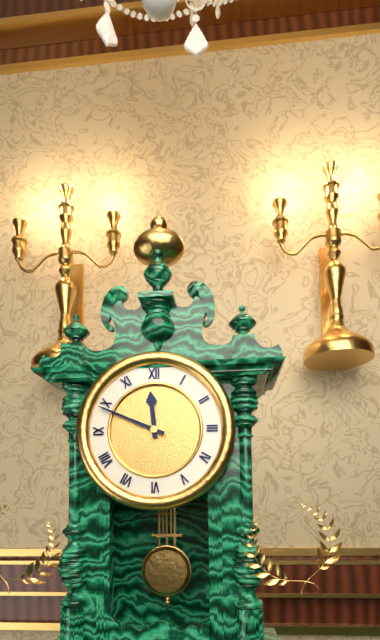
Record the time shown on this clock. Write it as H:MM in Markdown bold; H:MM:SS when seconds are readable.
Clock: **11:49**
